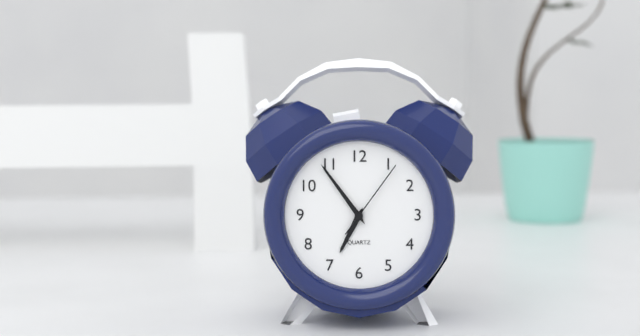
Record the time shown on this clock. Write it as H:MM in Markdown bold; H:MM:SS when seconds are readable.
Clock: **6:54:06**
